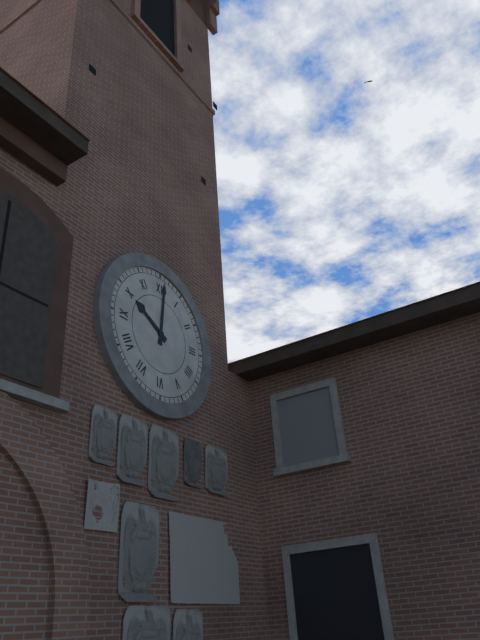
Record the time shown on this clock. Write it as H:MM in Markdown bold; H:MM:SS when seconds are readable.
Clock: **10:01**
